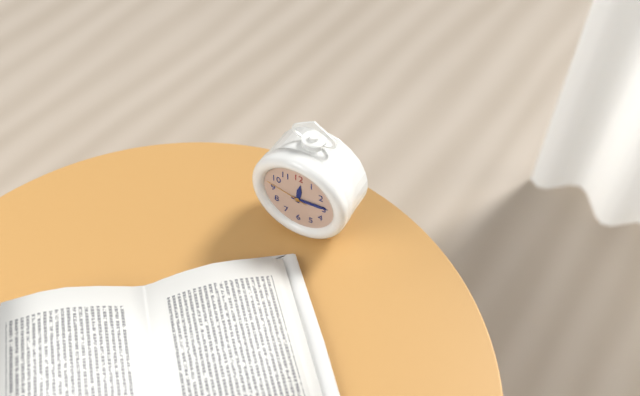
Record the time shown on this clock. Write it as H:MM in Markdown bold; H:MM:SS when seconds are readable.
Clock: **12:14**
